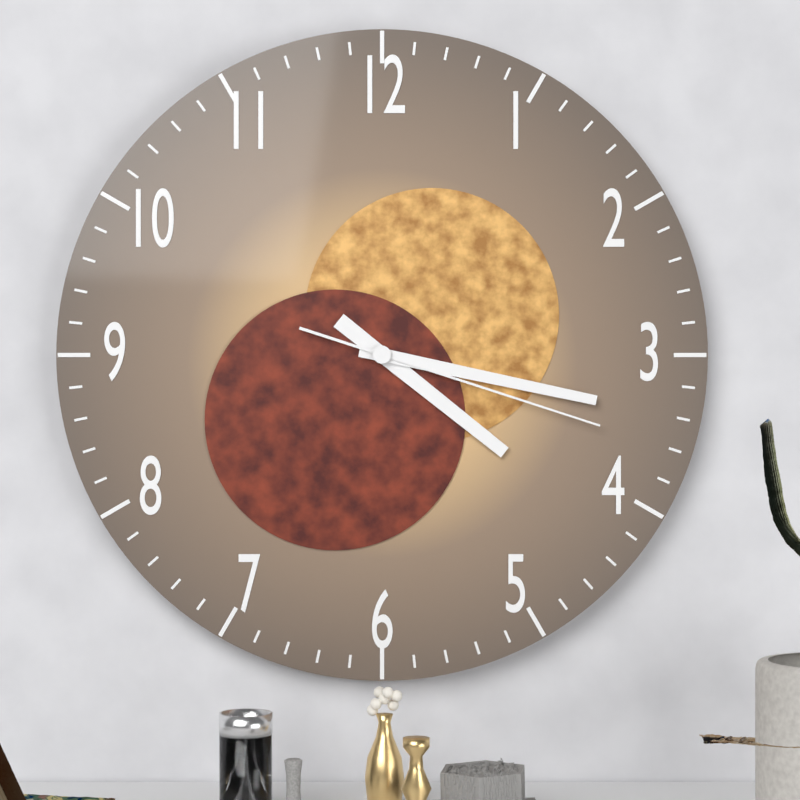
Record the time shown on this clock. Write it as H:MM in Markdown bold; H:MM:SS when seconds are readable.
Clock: **4:17:18**
